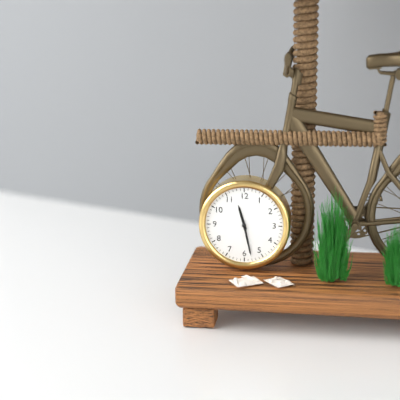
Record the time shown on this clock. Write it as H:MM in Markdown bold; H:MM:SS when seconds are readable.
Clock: **11:28**
